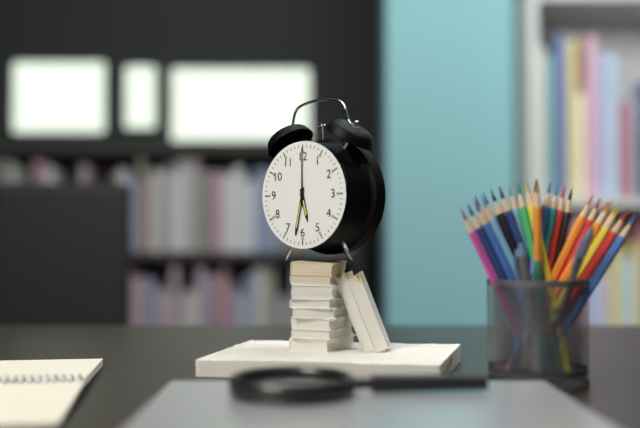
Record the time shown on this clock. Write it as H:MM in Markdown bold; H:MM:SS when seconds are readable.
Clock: **5:32:00**
